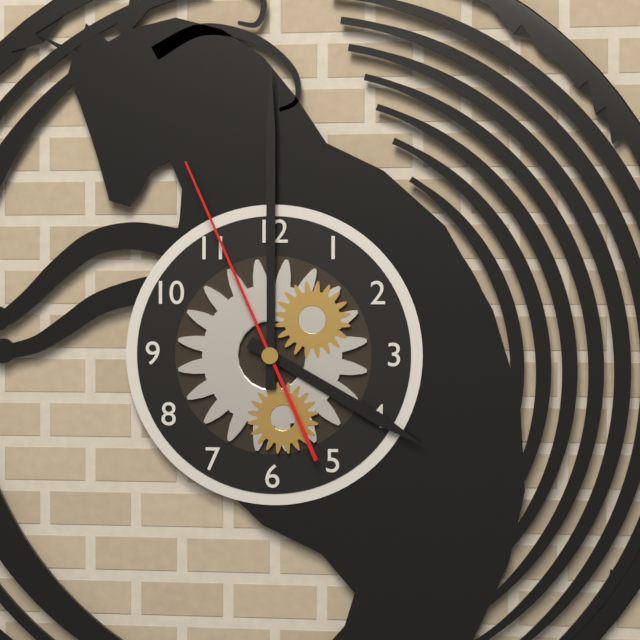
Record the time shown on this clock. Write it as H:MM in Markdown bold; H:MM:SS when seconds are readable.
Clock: **4:00:56**
